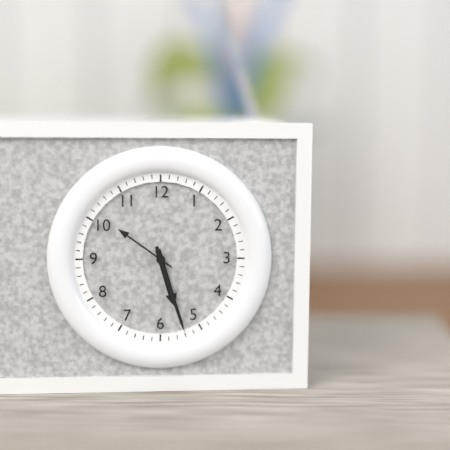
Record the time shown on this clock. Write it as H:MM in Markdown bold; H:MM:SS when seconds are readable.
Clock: **5:27:51**
